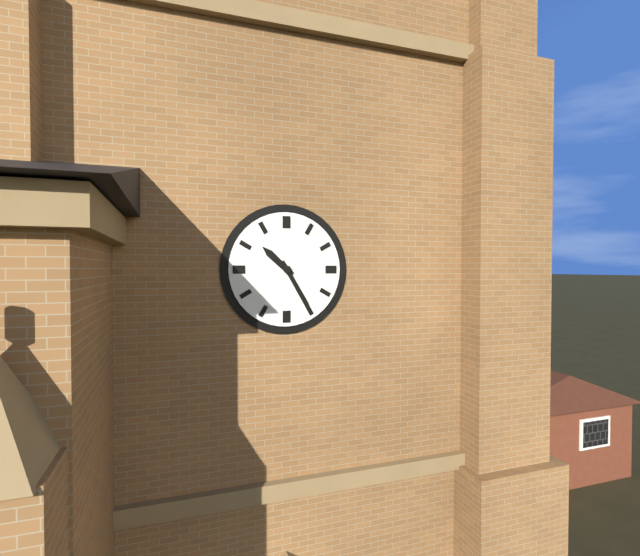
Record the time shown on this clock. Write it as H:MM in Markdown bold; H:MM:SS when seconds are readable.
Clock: **10:25**
